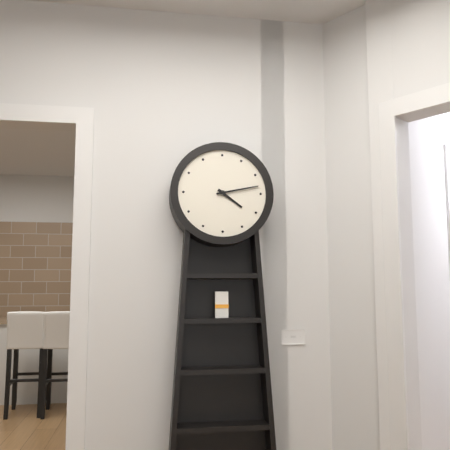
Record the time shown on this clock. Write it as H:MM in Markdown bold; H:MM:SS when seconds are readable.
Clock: **4:13**
